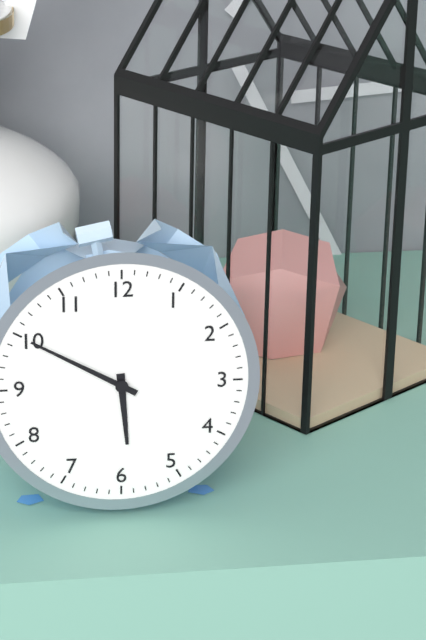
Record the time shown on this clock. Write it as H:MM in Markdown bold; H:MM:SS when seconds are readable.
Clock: **5:50**
